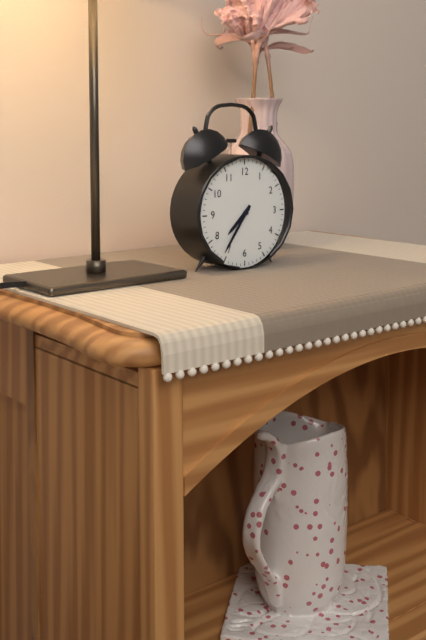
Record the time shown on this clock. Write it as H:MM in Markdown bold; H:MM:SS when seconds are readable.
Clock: **7:36**
